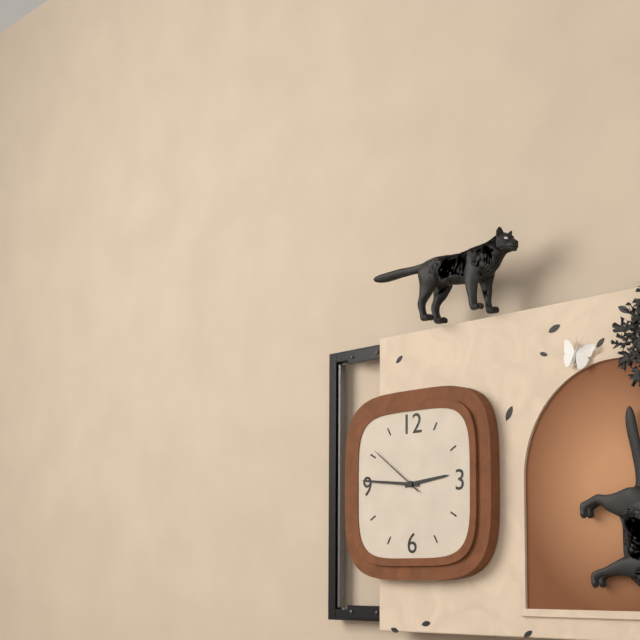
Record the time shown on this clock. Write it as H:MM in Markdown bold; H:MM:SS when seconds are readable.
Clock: **2:46:51**
